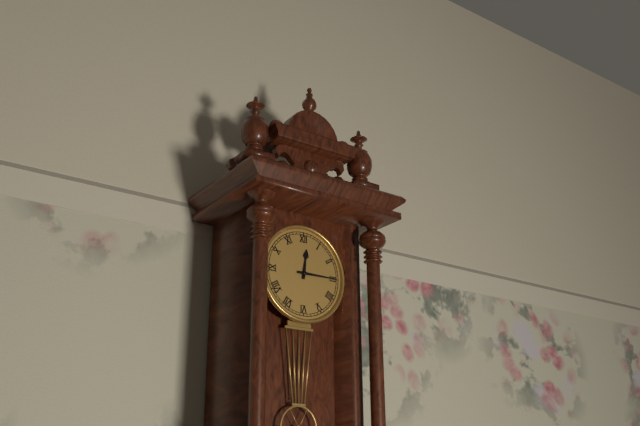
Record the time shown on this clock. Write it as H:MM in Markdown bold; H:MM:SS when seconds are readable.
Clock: **12:15**
